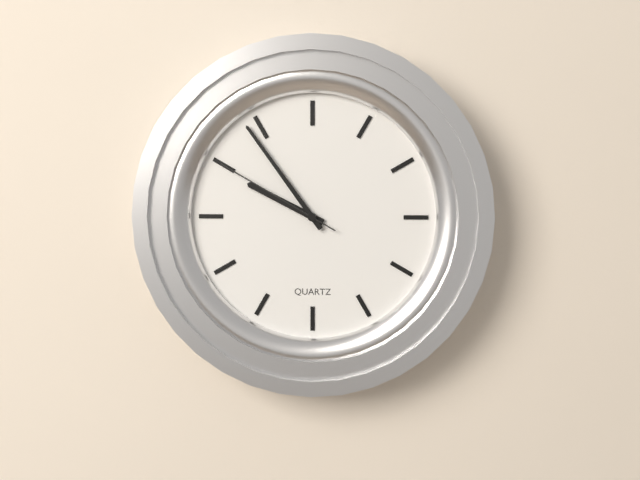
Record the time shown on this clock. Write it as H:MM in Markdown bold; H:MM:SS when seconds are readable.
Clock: **9:54:50**
